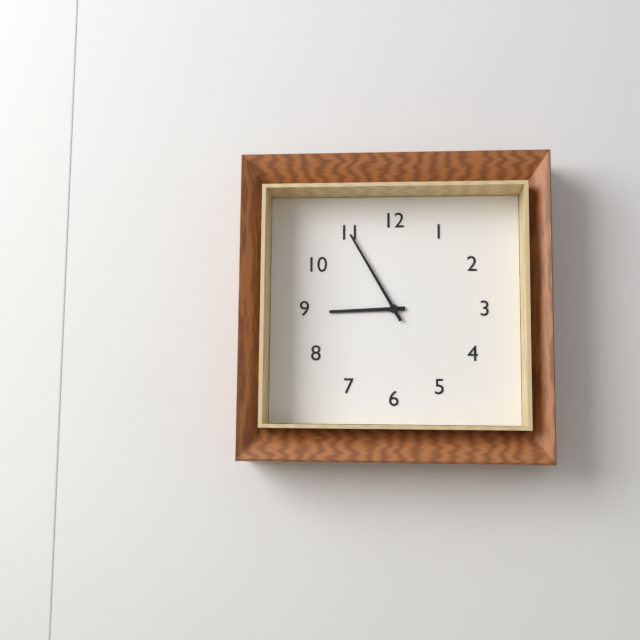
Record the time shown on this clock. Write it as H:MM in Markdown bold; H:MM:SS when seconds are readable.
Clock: **8:55**
